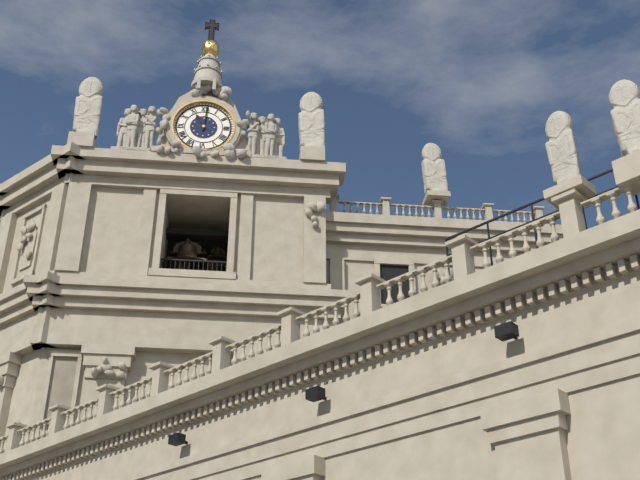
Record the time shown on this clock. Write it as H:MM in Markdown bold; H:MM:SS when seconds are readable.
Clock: **11:01**
